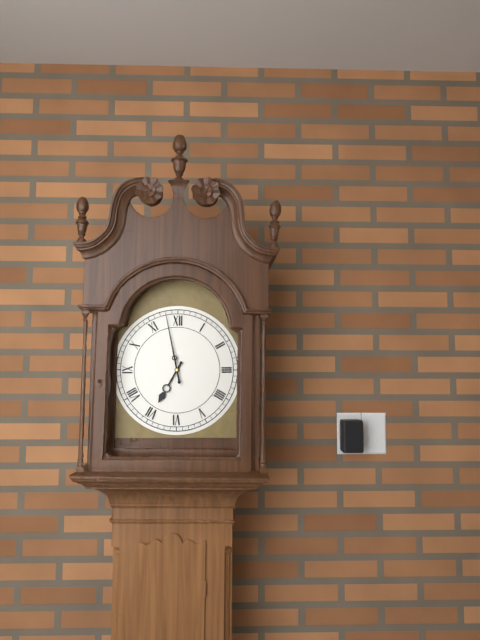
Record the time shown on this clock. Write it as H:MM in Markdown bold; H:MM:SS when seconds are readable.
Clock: **6:58**
